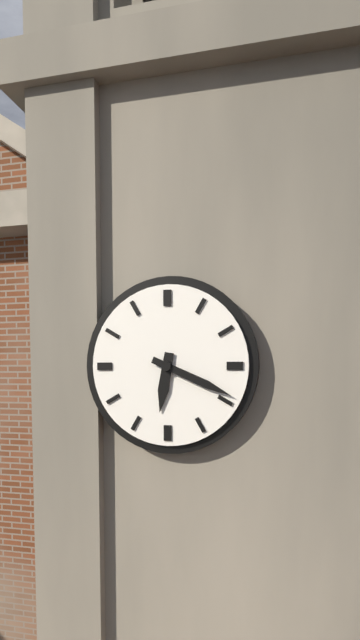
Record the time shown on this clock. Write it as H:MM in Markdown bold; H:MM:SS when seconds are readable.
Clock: **6:19**
